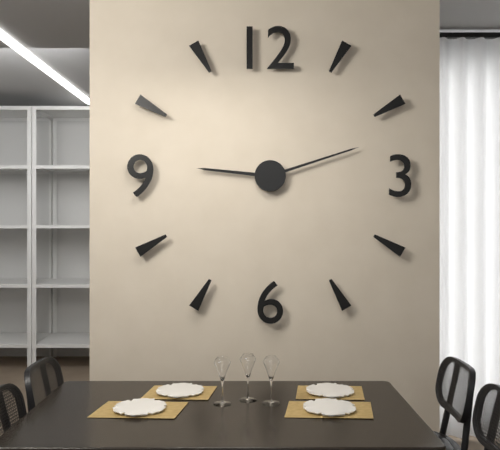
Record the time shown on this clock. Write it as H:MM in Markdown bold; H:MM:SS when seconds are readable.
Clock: **9:12**
